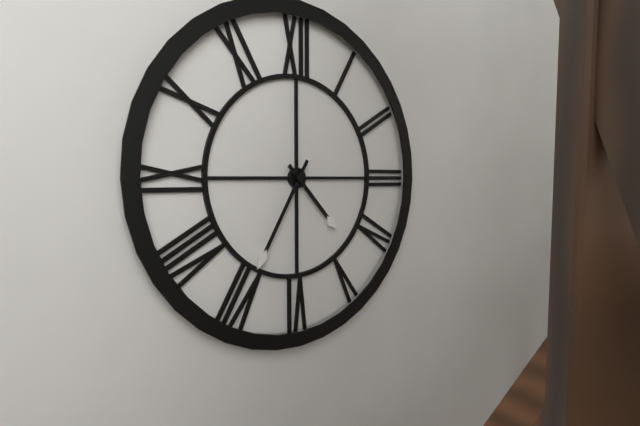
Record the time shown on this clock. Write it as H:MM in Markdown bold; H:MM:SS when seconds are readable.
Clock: **4:35**
